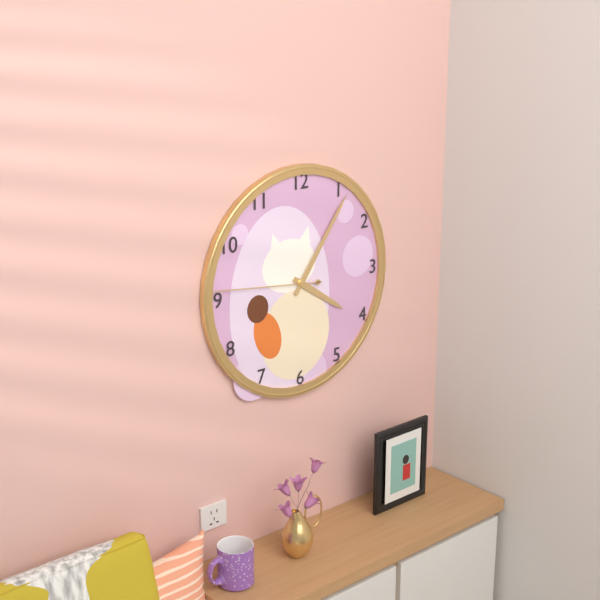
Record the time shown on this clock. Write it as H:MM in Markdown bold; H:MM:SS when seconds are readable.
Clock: **4:06:46**
